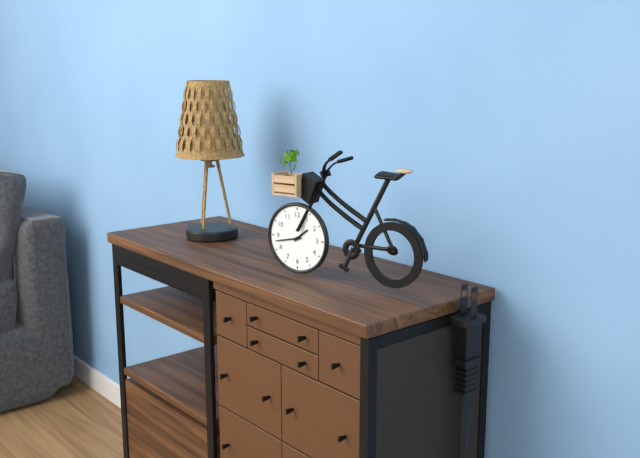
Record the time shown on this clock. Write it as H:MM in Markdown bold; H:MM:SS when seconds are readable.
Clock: **1:43**
